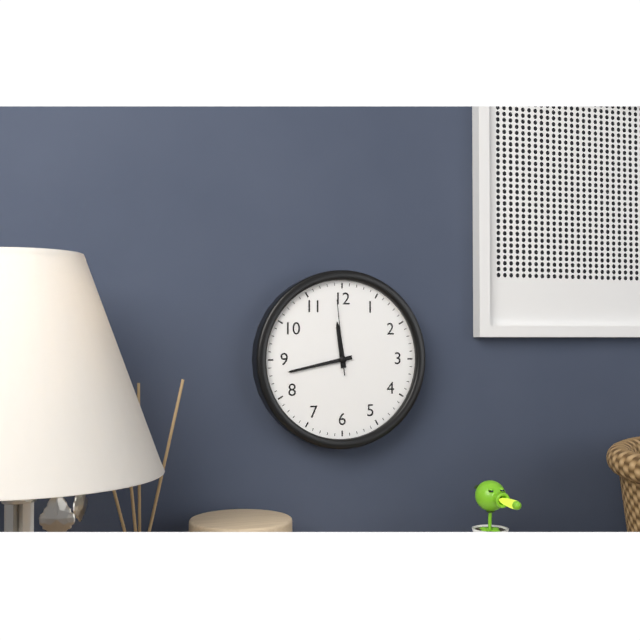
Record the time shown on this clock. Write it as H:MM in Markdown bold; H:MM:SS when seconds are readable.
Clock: **11:43:59**
